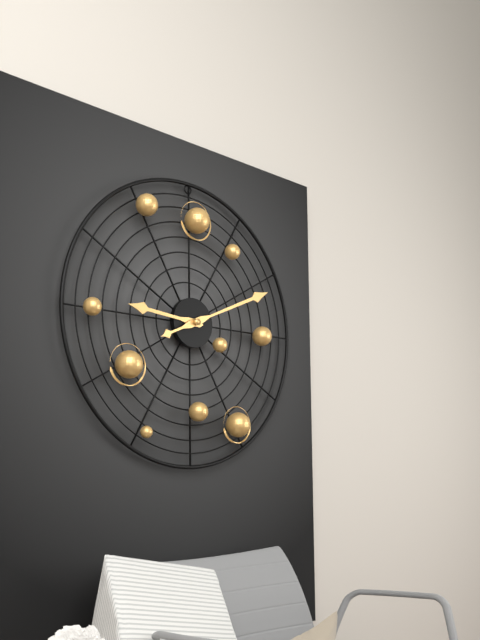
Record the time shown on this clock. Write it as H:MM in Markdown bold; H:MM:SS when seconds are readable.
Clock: **9:11**
